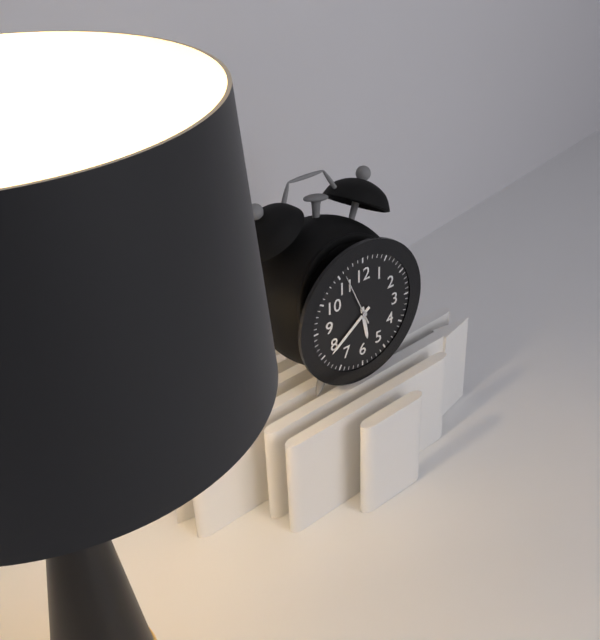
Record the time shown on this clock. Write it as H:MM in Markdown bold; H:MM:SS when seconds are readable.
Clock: **5:39**
